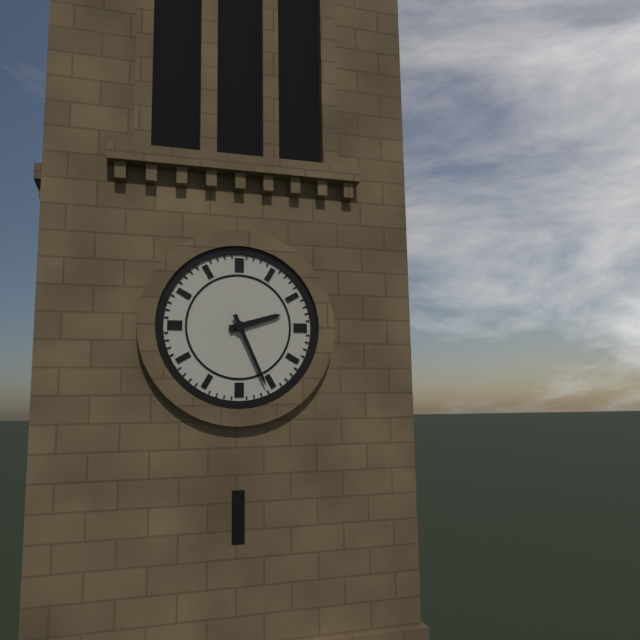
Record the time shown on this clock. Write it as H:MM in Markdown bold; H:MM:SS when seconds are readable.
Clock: **2:26**
